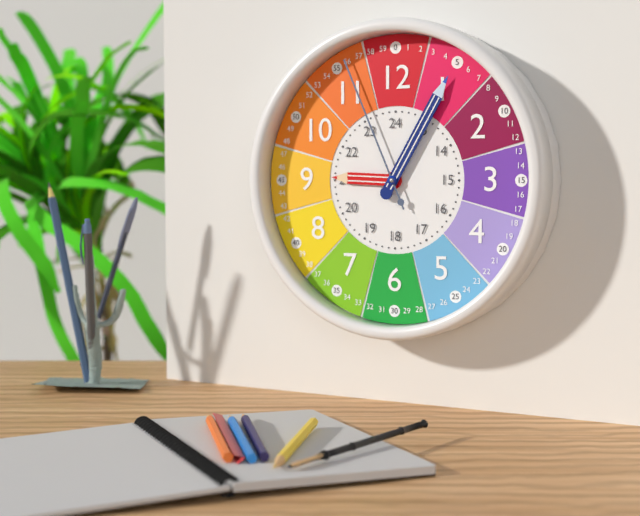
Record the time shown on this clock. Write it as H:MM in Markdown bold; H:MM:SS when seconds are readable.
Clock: **9:05:56**
